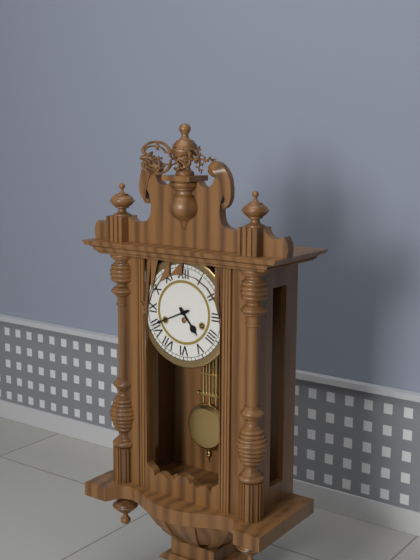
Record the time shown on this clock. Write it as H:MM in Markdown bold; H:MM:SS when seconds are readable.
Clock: **4:41**
